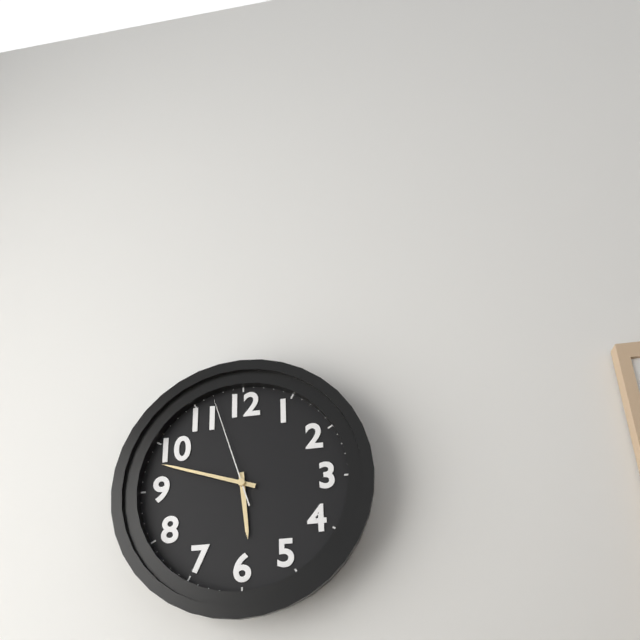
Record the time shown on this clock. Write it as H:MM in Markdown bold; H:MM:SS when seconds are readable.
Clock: **5:48:57**
